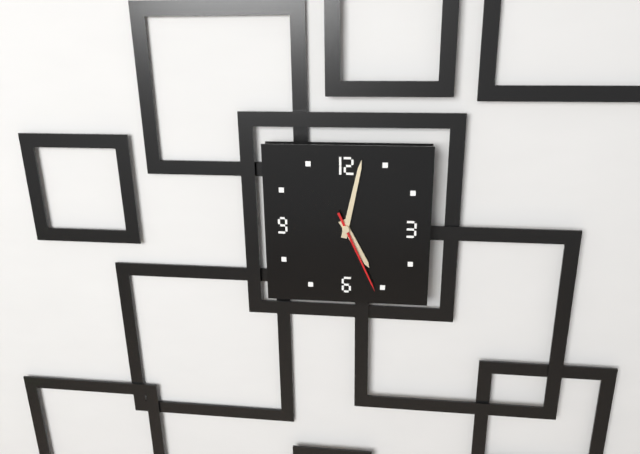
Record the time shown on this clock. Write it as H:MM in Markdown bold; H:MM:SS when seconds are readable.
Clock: **5:02:26**
